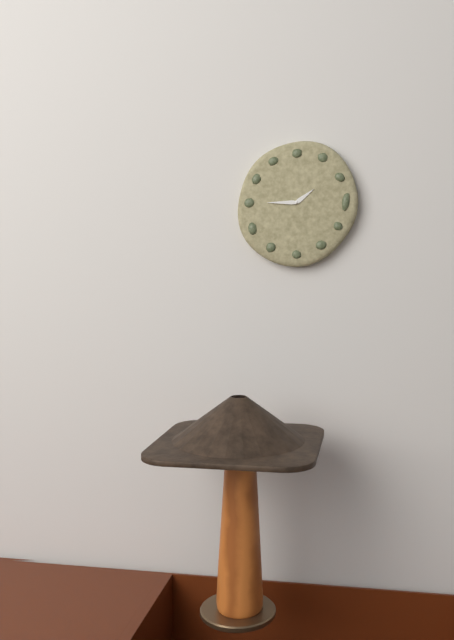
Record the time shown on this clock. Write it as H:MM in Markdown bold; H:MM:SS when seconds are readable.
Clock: **1:45**
